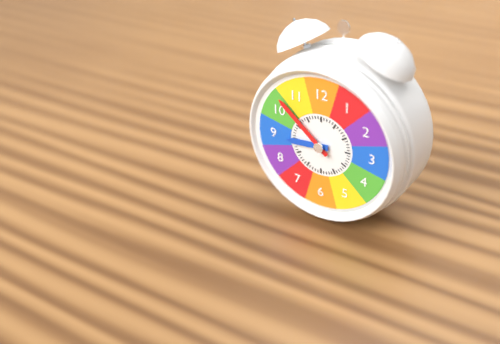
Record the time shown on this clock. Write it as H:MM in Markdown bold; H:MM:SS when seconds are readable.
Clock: **8:52**
